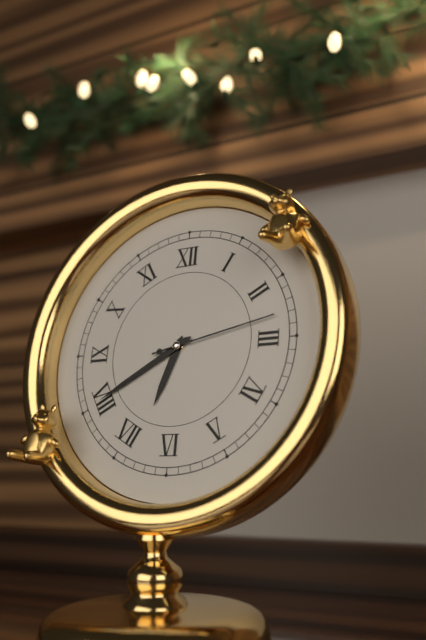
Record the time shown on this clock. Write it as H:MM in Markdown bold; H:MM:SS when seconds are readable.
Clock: **6:40:13**
